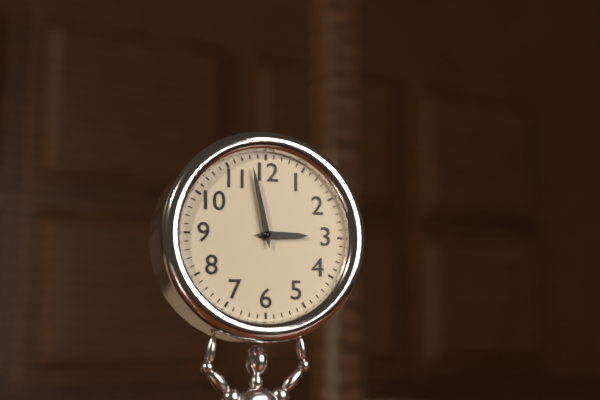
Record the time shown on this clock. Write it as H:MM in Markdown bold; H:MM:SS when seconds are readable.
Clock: **2:58**
